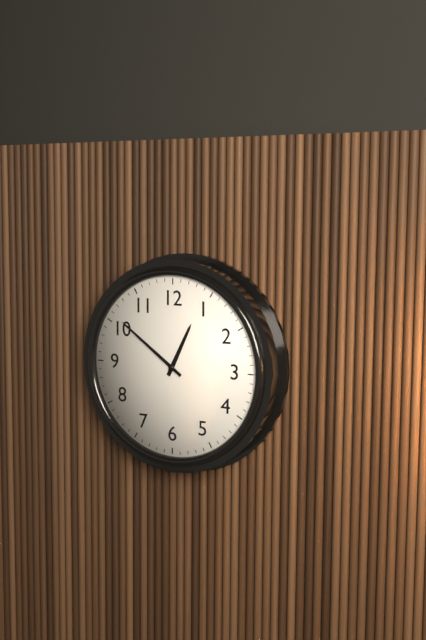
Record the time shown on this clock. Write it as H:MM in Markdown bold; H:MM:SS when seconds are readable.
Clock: **12:51**
